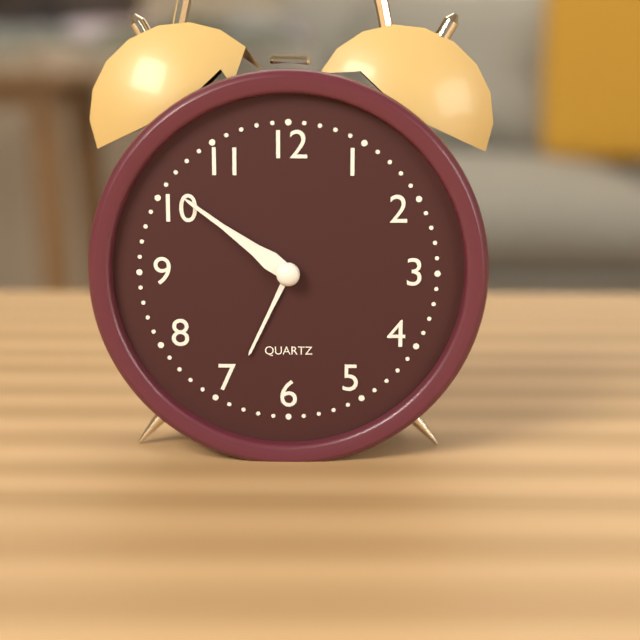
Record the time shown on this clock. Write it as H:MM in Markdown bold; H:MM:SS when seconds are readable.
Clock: **6:51**
